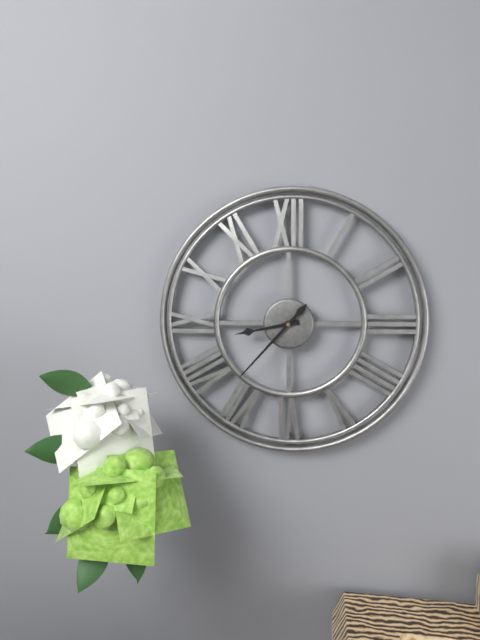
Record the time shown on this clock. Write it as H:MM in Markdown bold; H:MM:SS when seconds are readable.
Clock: **8:37**
